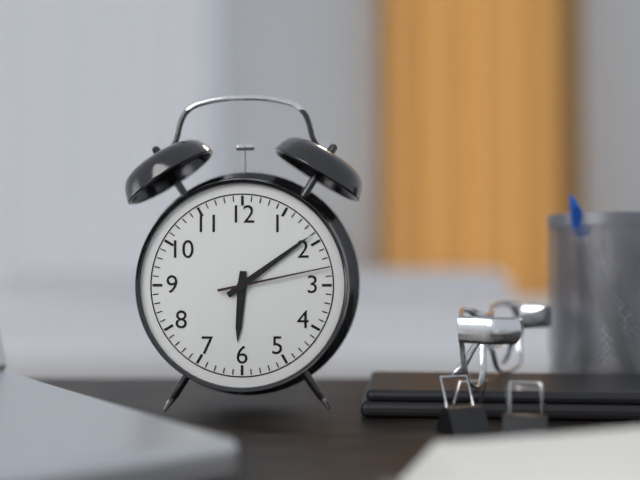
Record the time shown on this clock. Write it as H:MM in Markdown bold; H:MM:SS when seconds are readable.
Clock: **6:09:13**
